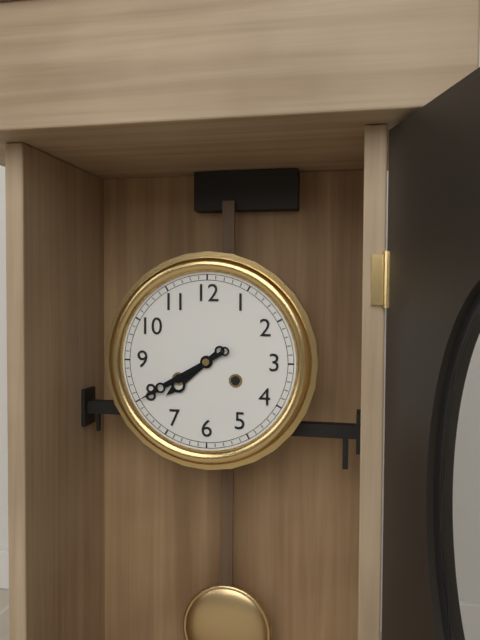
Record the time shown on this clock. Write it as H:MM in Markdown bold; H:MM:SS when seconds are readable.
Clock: **7:40**
